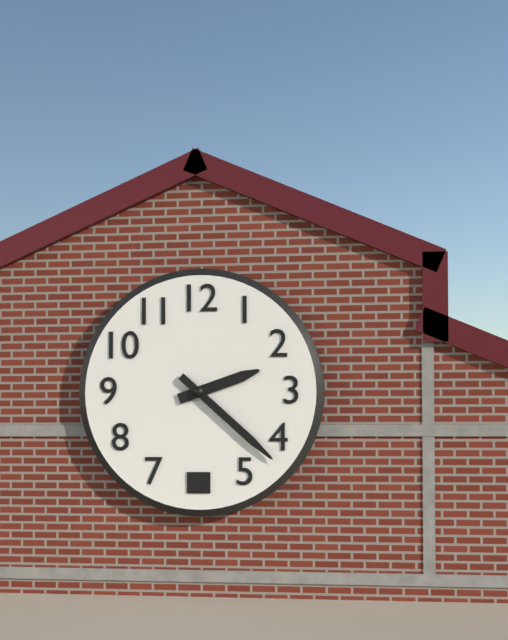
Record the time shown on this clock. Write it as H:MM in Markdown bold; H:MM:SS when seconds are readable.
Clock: **2:22**
